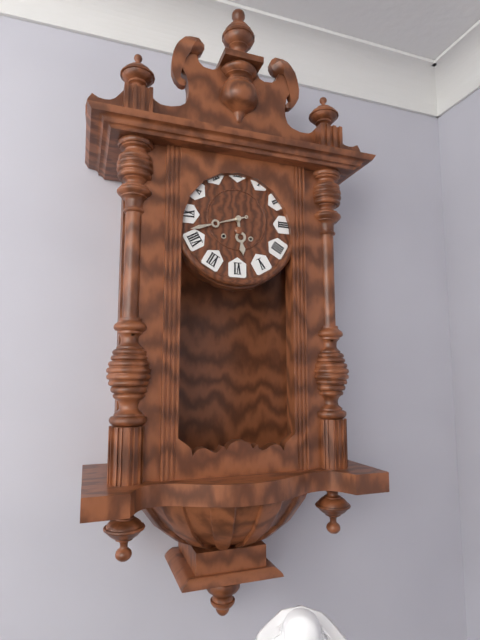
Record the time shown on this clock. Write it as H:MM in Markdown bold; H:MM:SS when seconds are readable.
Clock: **5:42**
